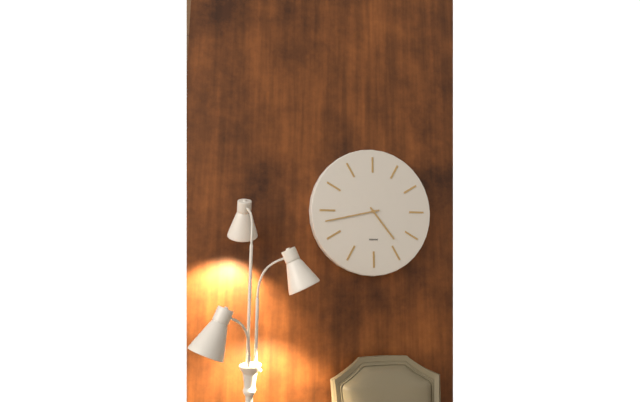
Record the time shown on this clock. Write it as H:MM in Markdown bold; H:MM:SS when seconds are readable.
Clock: **4:43**
